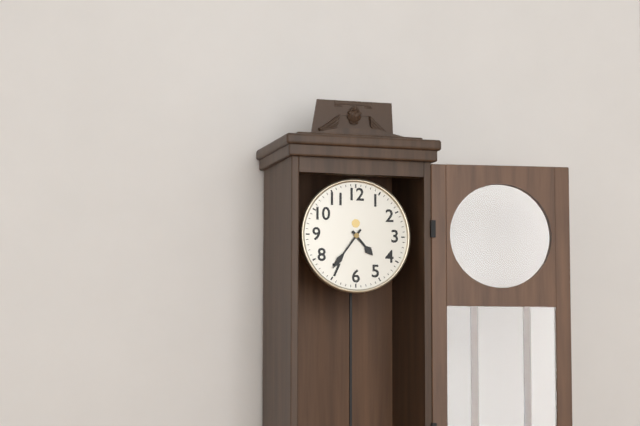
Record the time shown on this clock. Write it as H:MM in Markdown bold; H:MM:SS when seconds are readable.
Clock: **4:36**
